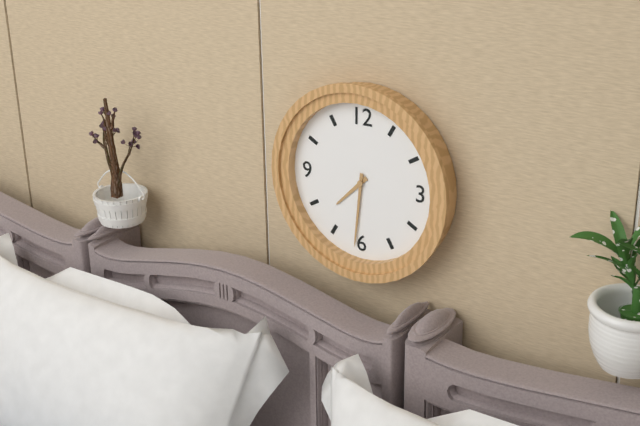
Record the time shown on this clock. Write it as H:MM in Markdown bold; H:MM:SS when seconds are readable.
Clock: **7:31**
